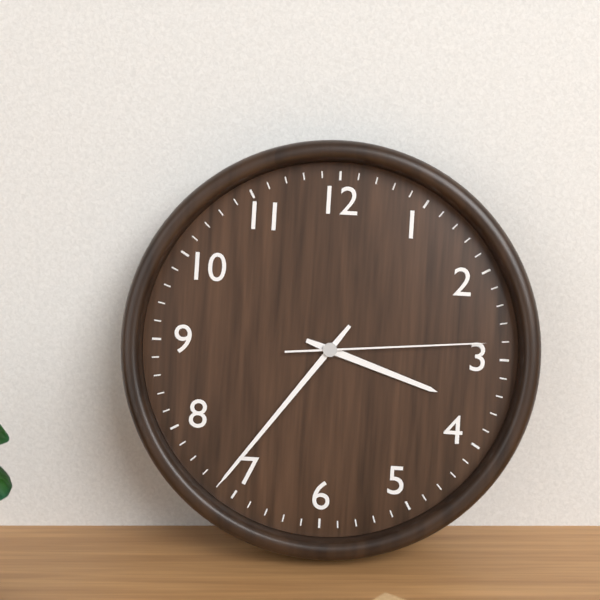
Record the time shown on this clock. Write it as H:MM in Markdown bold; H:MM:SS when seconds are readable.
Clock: **3:36:14**
